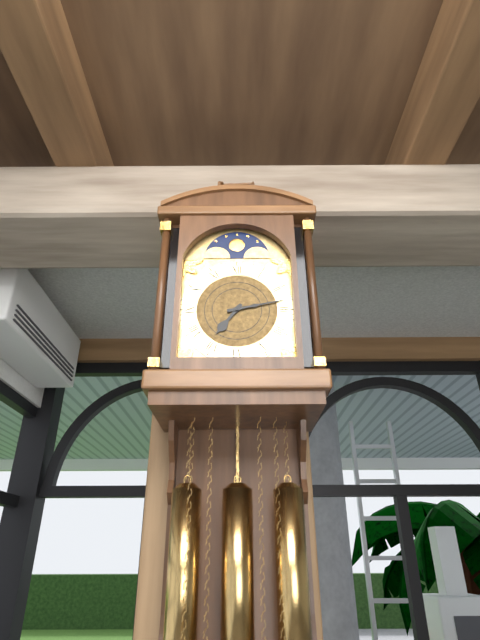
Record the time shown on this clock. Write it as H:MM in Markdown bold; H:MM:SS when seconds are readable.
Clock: **7:13**
